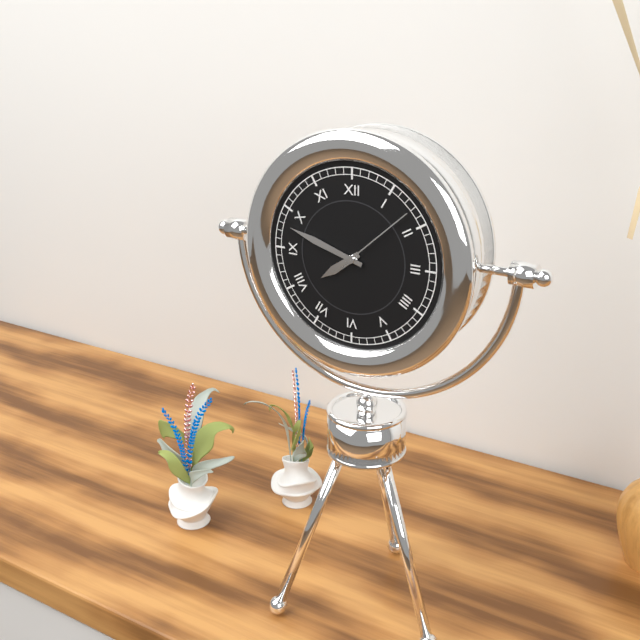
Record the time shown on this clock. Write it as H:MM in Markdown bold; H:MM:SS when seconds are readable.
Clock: **7:48:08**
